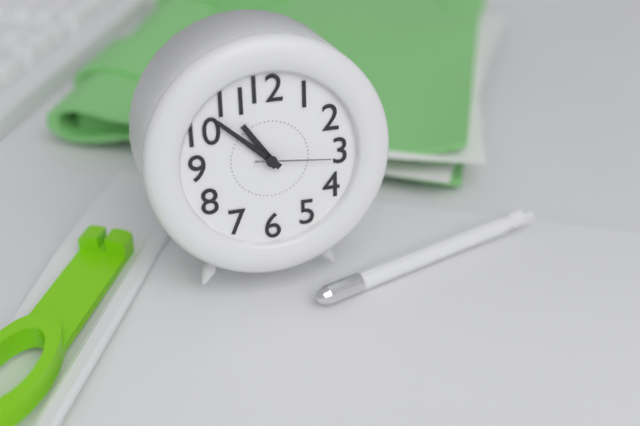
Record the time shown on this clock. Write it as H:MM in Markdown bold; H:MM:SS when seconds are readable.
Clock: **10:52:16**
